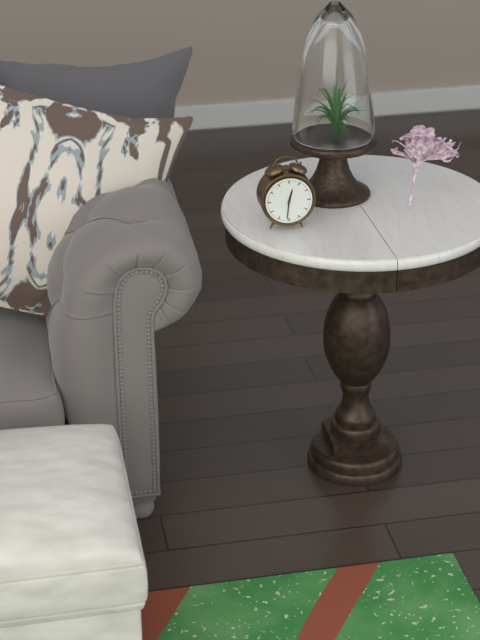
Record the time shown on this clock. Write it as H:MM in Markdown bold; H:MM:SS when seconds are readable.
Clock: **12:31**
